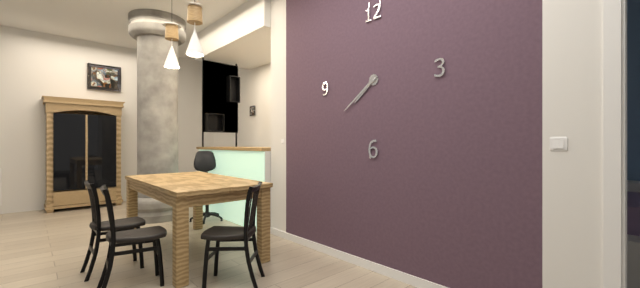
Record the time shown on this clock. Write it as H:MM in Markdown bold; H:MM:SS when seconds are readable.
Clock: **7:39**
